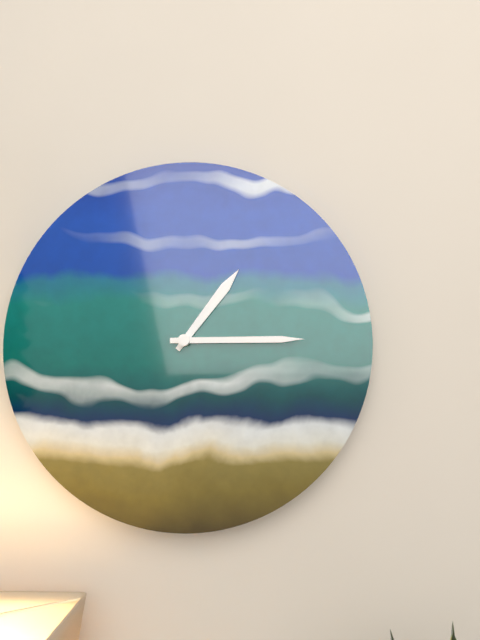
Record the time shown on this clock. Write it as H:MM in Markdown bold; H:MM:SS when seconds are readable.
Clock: **1:15**
